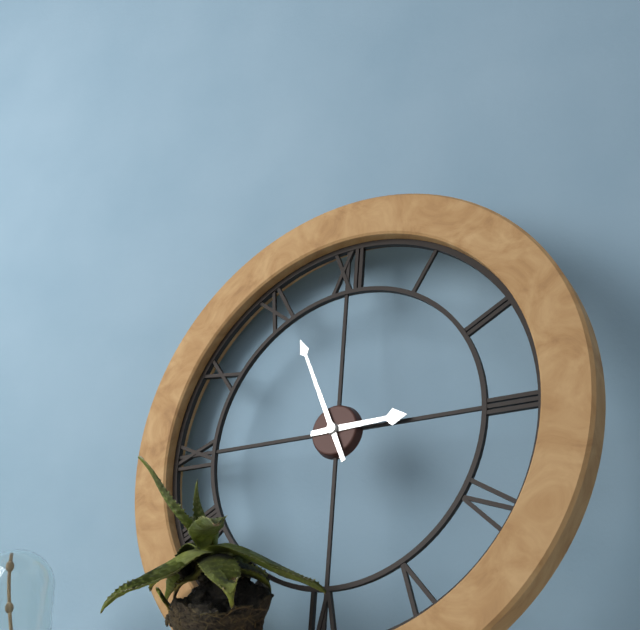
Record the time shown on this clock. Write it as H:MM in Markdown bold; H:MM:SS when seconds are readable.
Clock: **2:56**
